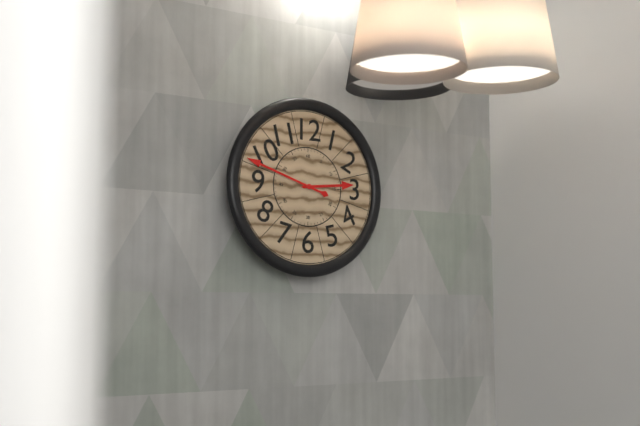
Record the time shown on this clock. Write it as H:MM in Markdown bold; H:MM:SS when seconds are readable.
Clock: **2:48**
